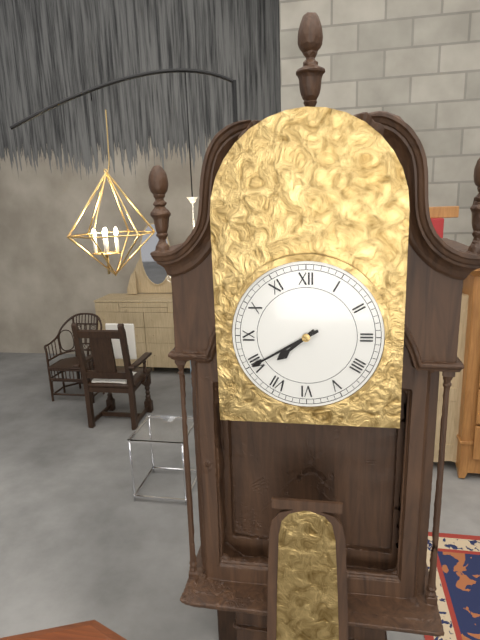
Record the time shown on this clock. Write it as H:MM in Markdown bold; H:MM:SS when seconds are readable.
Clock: **7:40**
